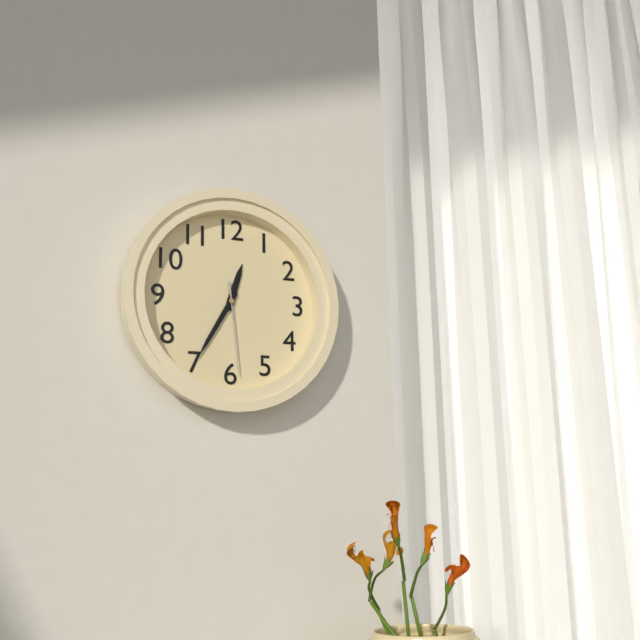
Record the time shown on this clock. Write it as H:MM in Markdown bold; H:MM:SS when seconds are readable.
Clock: **12:35:29**
